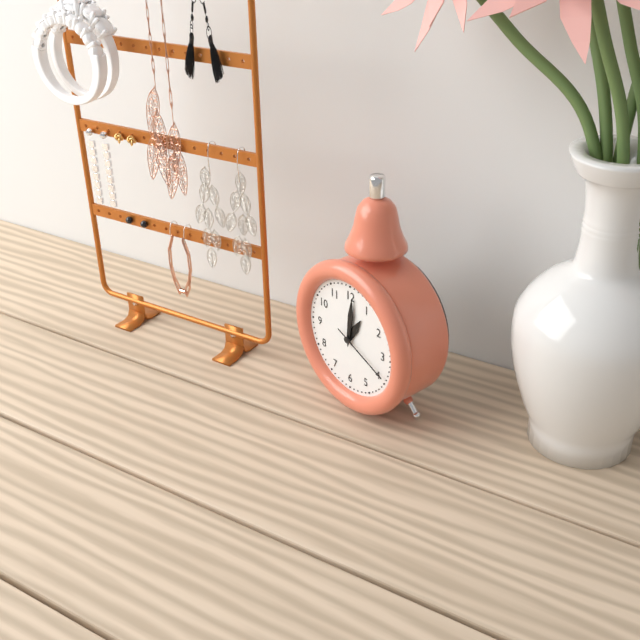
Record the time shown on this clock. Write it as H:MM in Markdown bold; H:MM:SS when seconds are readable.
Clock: **1:01:19**
